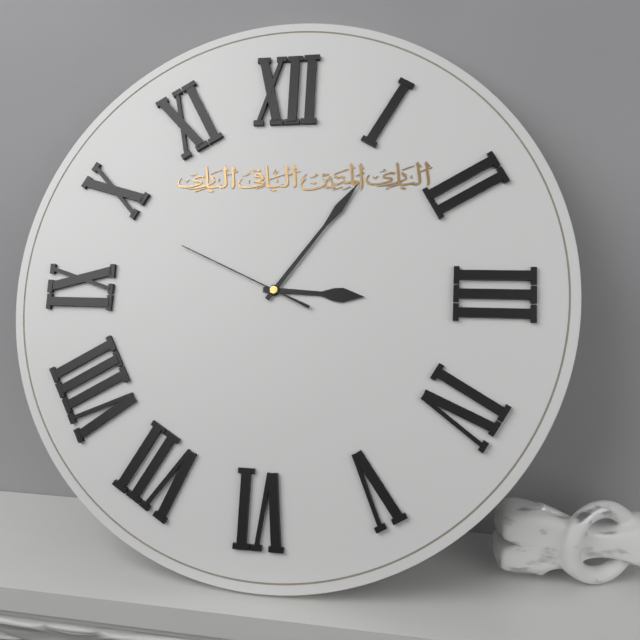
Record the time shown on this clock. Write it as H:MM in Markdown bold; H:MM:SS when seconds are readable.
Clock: **3:06:49**
